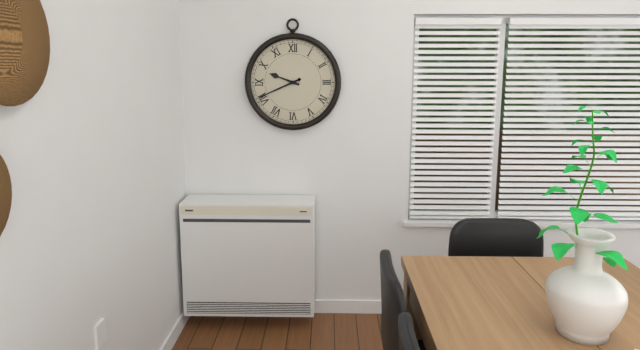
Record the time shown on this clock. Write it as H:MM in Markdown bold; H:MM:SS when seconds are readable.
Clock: **9:41**
